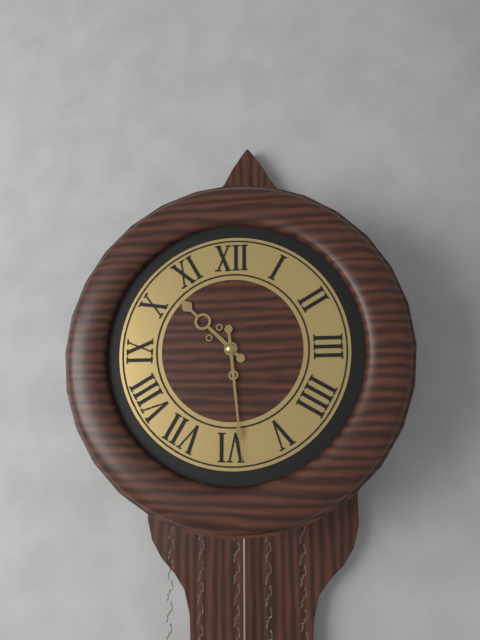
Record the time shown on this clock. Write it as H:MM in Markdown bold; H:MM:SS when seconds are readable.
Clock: **10:29**
